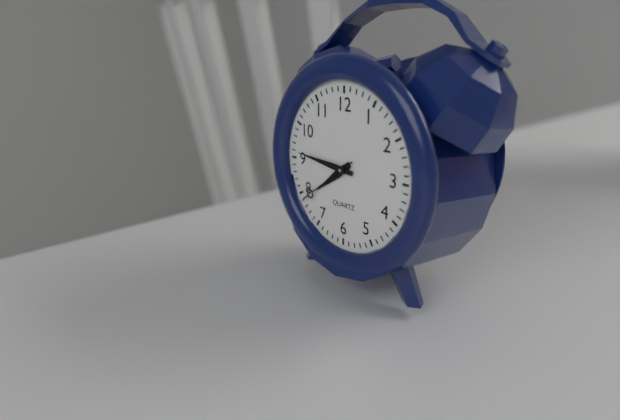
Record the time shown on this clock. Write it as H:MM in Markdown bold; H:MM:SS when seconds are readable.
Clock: **7:46:39**
